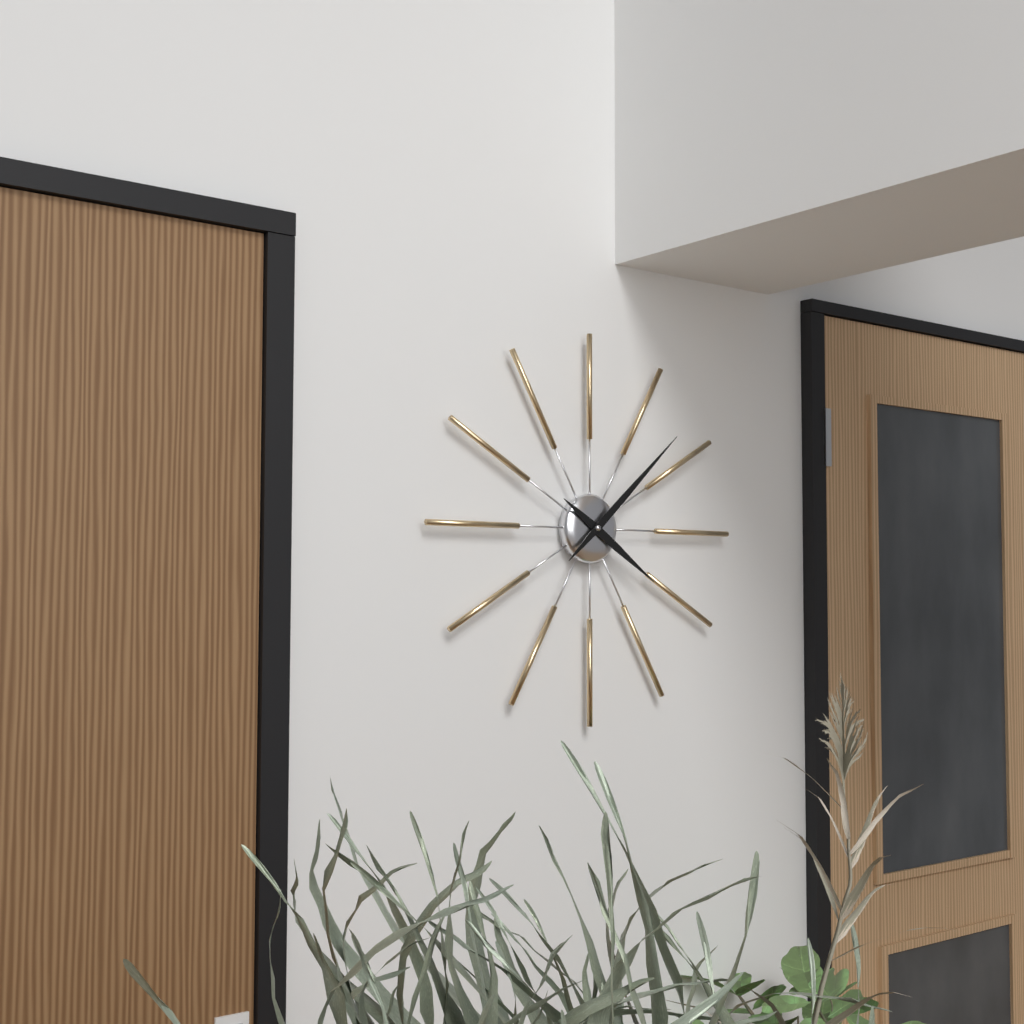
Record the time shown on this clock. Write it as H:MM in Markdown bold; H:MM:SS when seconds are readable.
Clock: **4:08**
